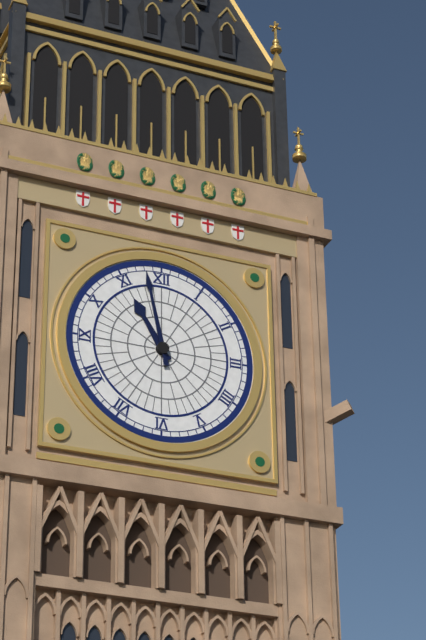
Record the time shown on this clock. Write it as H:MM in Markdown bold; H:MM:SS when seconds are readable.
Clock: **10:58**
